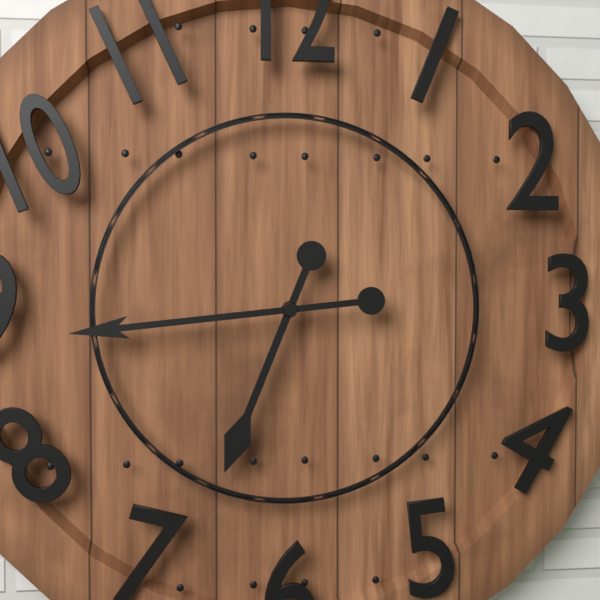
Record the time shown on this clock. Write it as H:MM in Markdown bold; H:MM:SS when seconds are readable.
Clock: **6:44**
